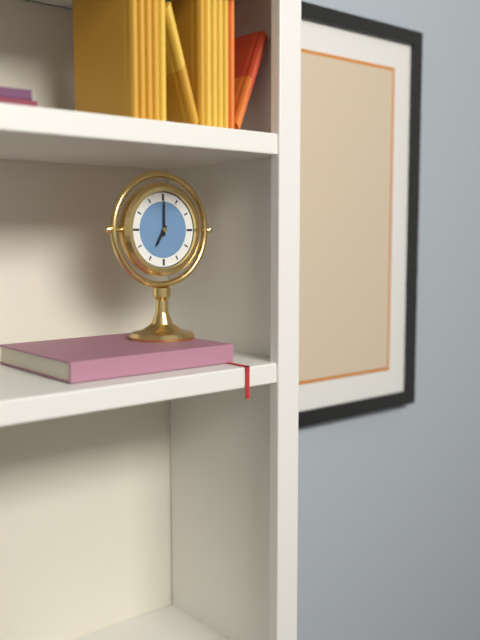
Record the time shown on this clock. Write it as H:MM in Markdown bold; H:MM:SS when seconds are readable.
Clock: **7:00**
